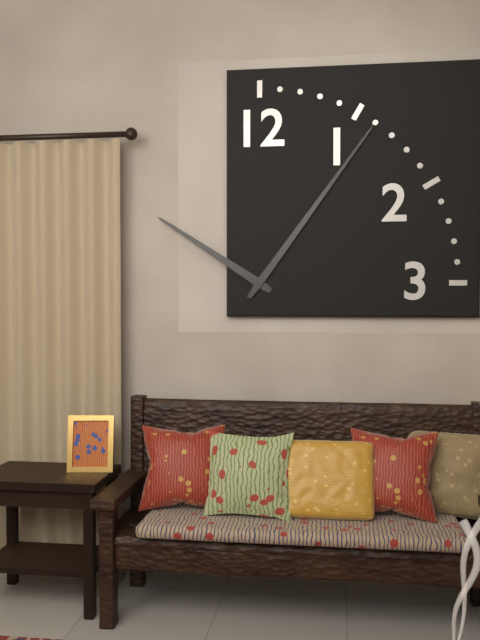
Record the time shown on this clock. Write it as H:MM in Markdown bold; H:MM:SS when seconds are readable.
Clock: **10:06**
